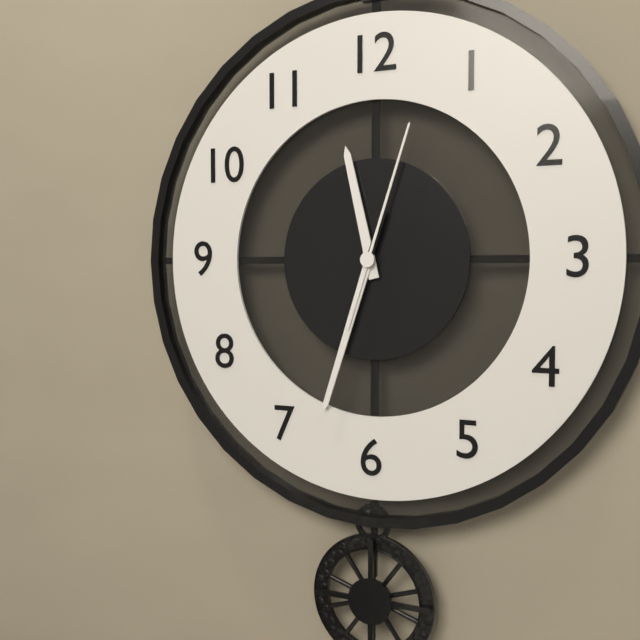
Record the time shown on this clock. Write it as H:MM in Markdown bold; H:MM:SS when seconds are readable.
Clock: **11:33:03**
